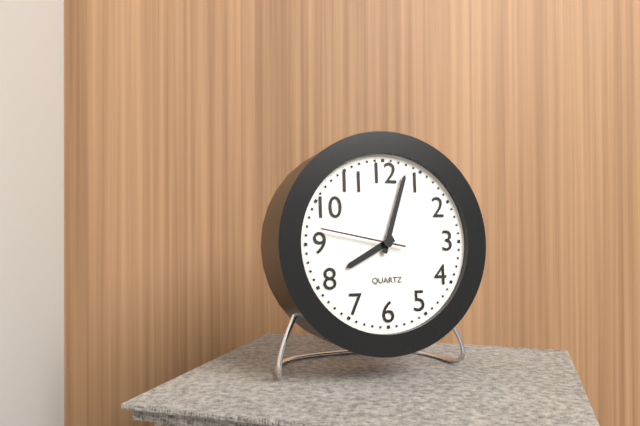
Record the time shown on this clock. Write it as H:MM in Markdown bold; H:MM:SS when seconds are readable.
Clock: **8:03:47**
